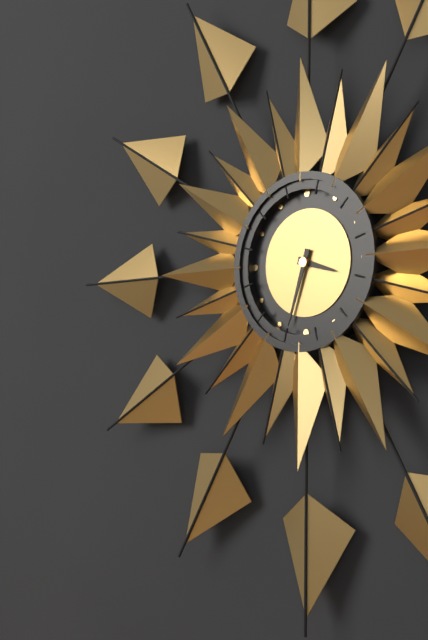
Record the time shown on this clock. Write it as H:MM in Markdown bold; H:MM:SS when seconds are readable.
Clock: **3:33**
